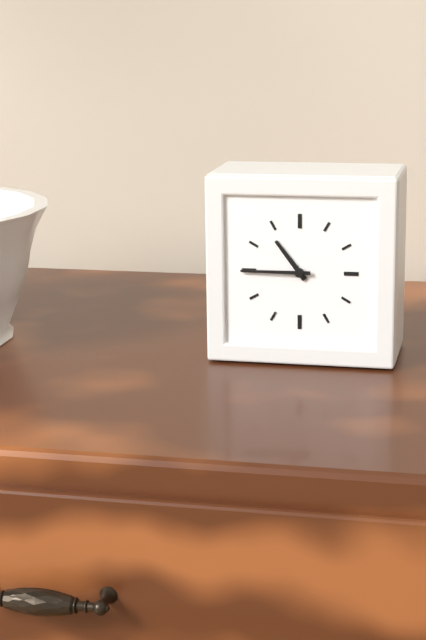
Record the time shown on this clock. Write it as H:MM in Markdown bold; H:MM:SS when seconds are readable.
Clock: **10:45**
